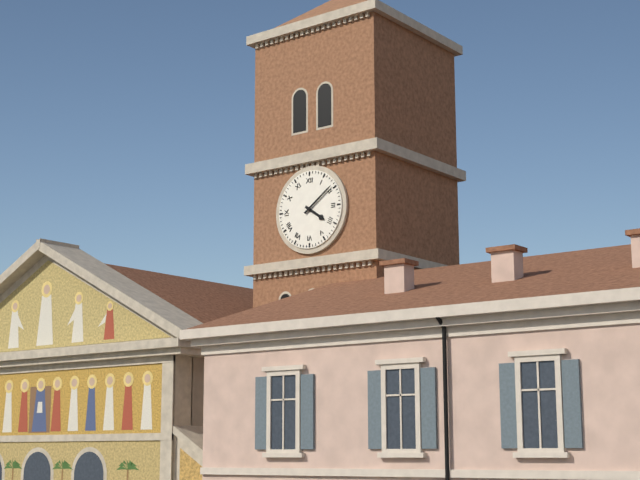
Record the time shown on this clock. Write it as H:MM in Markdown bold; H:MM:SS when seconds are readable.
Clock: **4:09**
